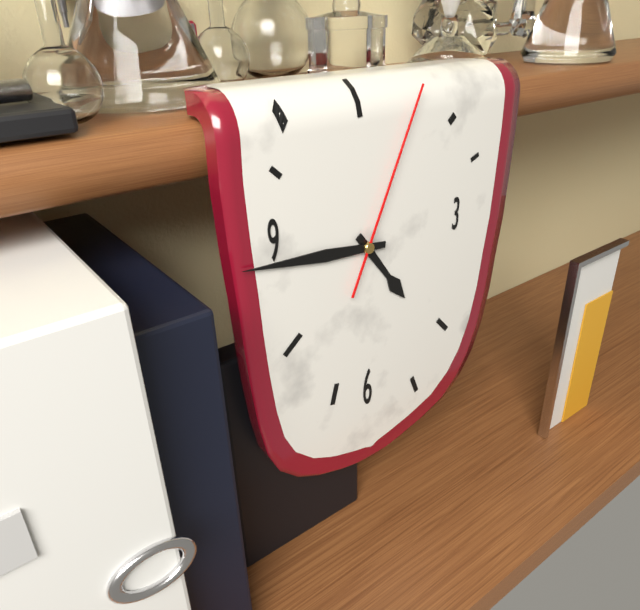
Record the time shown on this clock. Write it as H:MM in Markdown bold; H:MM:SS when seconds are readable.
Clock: **4:46:04**
